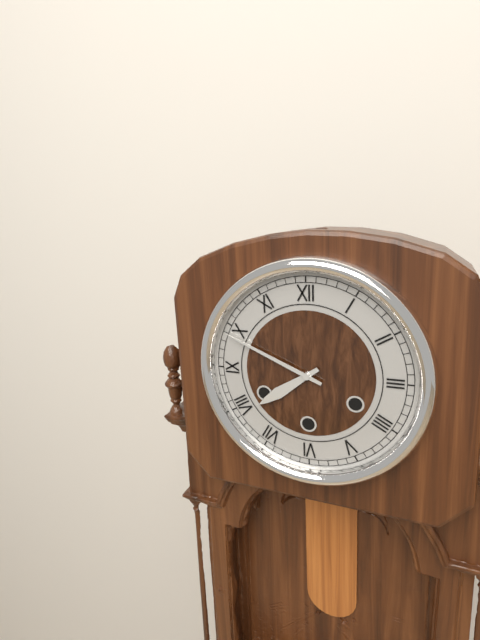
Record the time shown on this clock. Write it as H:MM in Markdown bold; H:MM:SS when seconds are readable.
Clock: **7:49**
